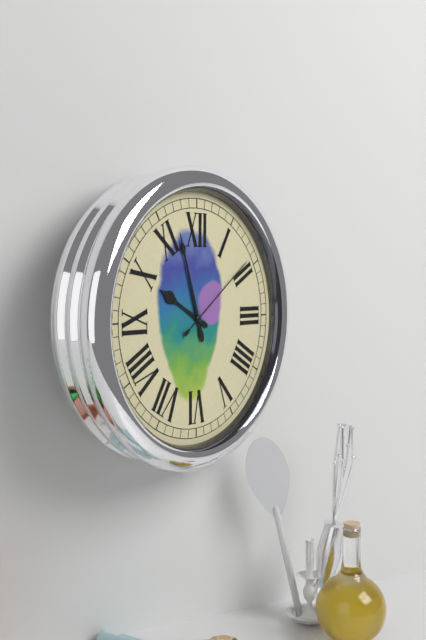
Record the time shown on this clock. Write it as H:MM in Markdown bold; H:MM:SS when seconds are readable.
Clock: **9:57:09**
